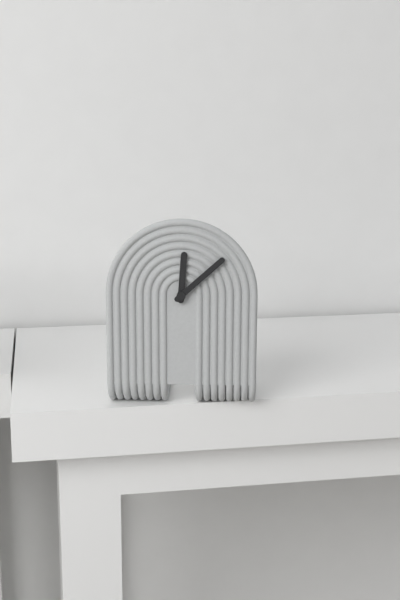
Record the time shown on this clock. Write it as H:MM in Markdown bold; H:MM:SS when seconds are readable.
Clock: **12:08**
